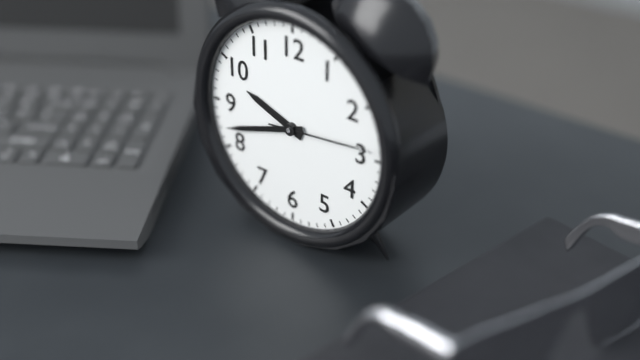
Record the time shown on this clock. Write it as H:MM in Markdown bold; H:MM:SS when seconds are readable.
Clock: **9:42:14**
